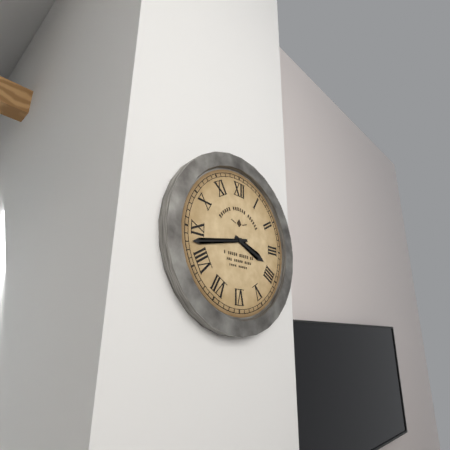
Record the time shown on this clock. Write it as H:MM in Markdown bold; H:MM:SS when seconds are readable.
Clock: **3:43**
